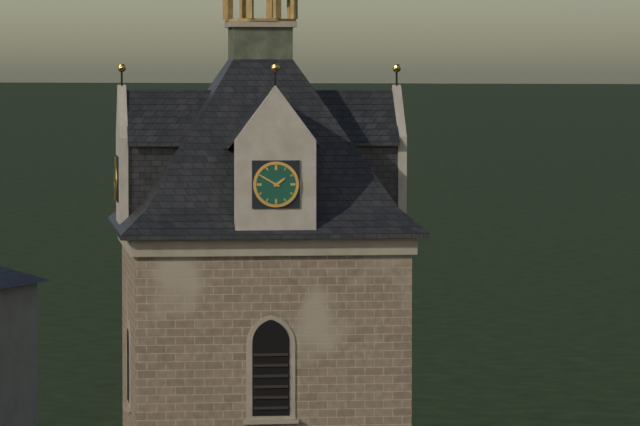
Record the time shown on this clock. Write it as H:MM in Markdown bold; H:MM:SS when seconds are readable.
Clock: **1:50**
